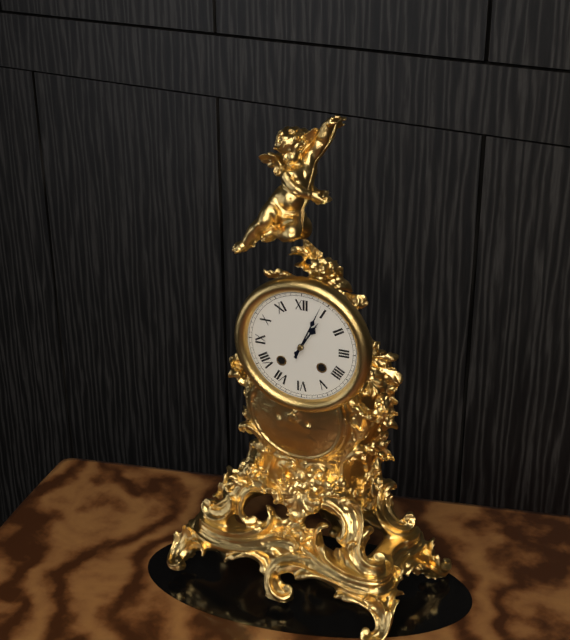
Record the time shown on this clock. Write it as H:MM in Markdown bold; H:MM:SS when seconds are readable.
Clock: **1:04**
